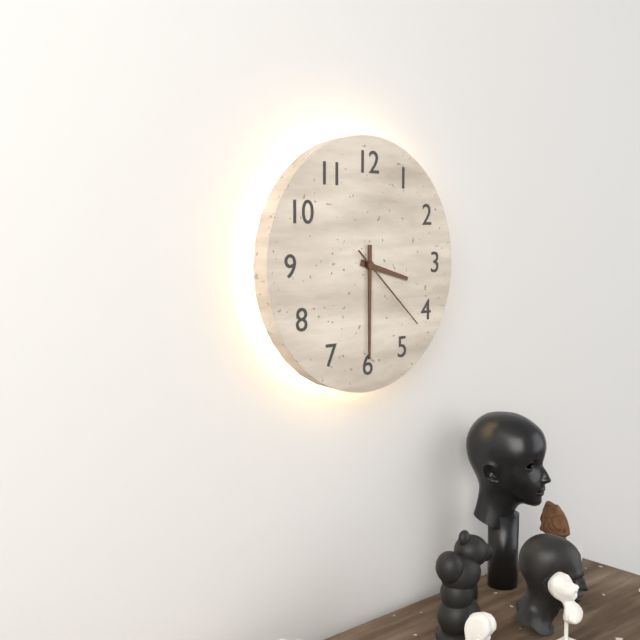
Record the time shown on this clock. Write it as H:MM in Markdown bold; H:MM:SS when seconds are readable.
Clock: **3:30:22**
